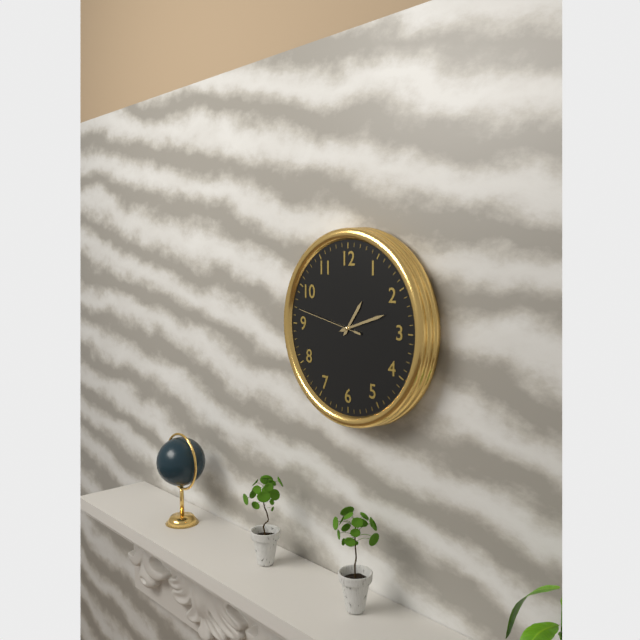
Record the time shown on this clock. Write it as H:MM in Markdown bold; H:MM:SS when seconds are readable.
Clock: **1:12:47**
